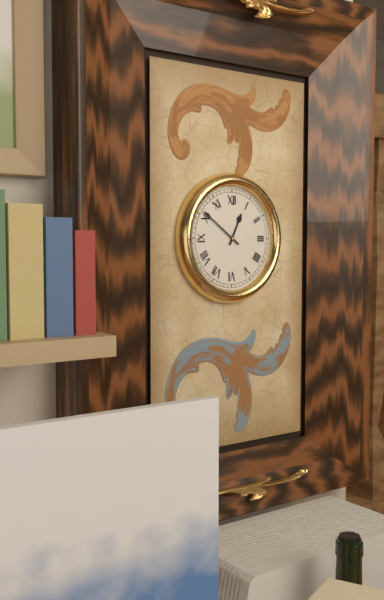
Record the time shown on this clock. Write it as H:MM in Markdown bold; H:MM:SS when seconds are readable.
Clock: **12:51**
